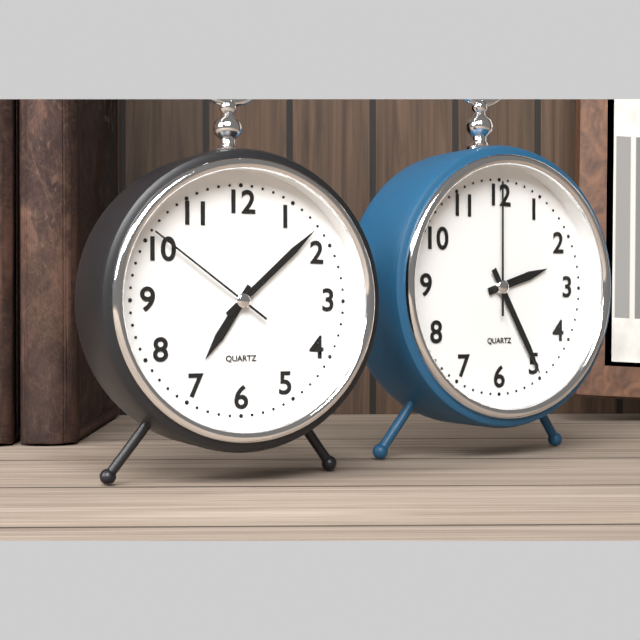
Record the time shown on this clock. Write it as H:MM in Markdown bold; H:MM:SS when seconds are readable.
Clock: **7:08:51**
